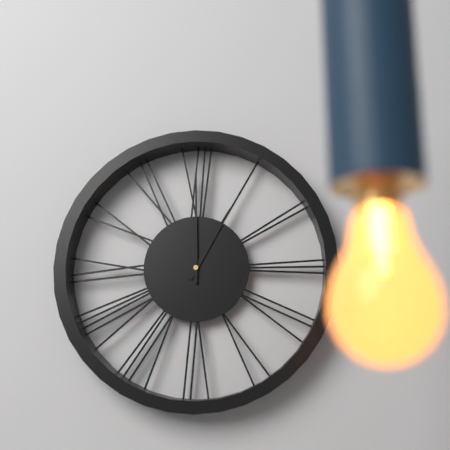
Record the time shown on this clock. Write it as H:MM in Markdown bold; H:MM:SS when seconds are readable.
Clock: **1:00**
